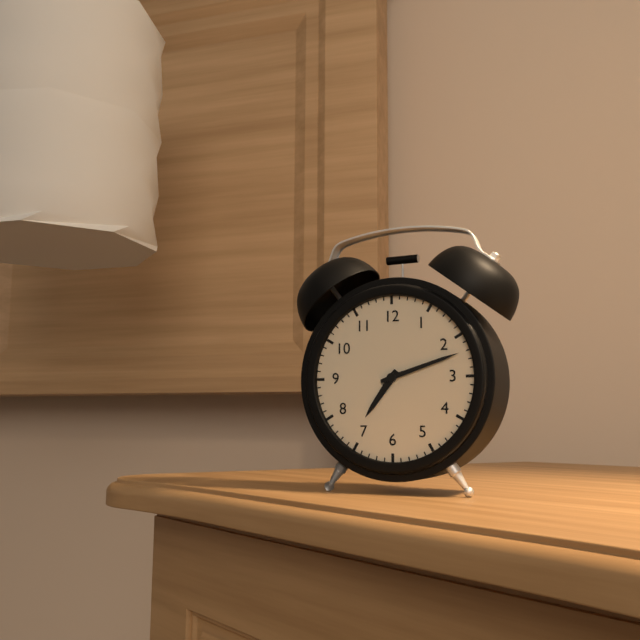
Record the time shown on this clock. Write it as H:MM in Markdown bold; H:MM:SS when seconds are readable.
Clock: **7:12**
